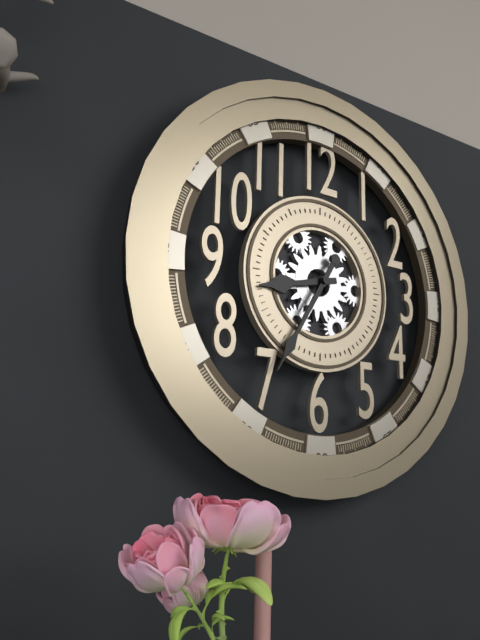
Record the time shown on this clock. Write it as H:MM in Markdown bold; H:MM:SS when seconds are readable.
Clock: **8:35**
